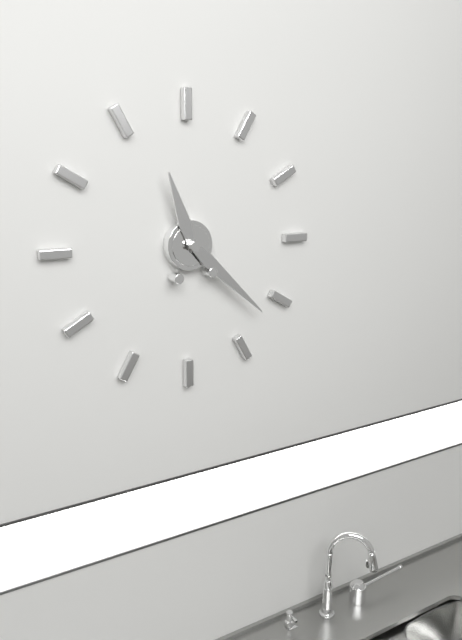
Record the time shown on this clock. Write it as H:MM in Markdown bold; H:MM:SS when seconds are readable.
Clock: **11:22**
